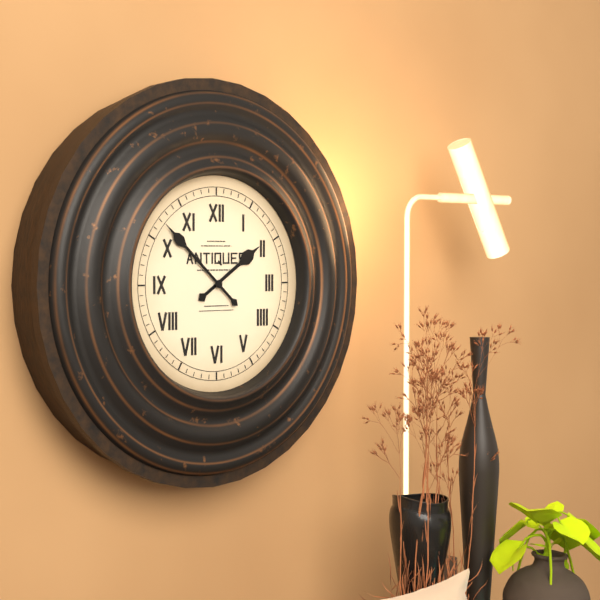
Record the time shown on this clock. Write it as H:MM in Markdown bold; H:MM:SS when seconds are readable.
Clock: **1:52**
